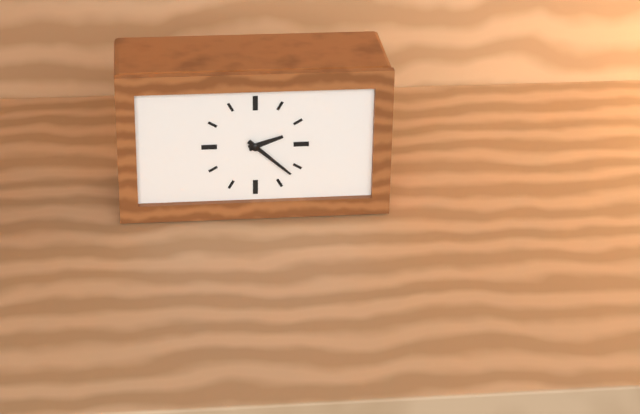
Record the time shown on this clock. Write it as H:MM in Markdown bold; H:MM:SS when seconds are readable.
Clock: **2:22**
